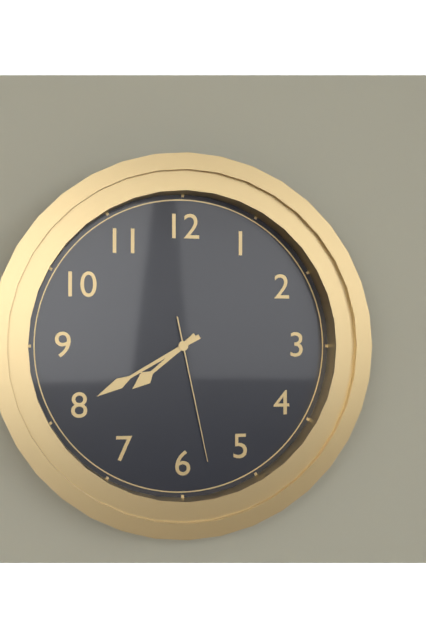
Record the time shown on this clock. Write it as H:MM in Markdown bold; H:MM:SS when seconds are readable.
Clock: **7:40:28**
